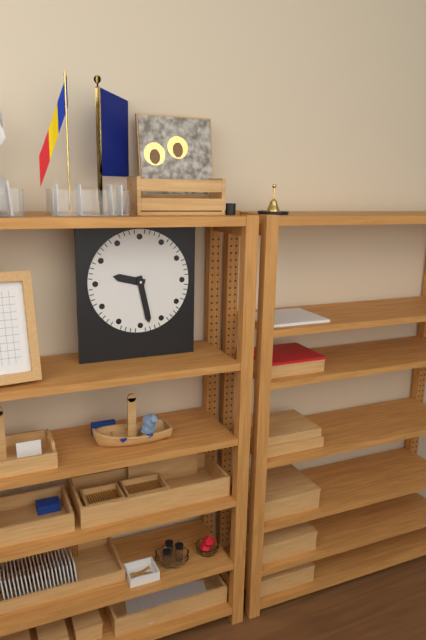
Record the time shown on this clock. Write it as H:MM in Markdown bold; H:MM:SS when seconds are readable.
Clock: **9:28**
